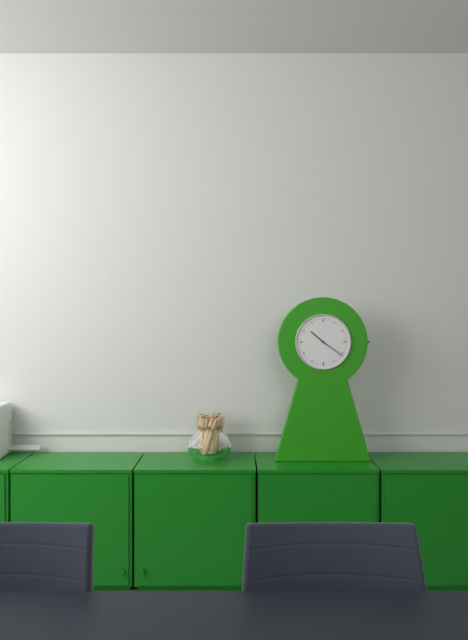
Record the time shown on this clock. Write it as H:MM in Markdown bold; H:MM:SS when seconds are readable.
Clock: **10:21**
